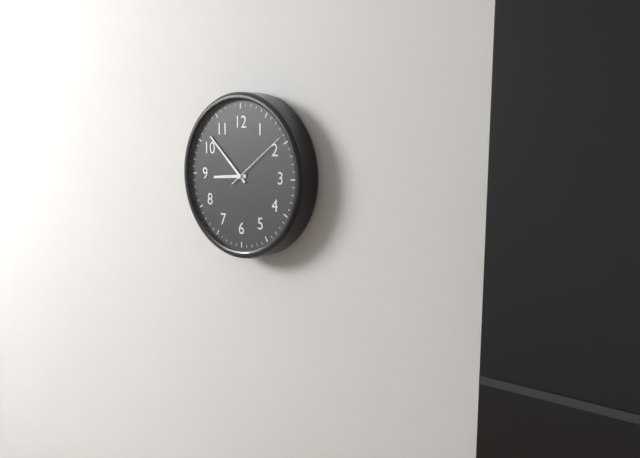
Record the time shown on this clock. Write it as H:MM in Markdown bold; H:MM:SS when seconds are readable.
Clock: **8:52:09**
